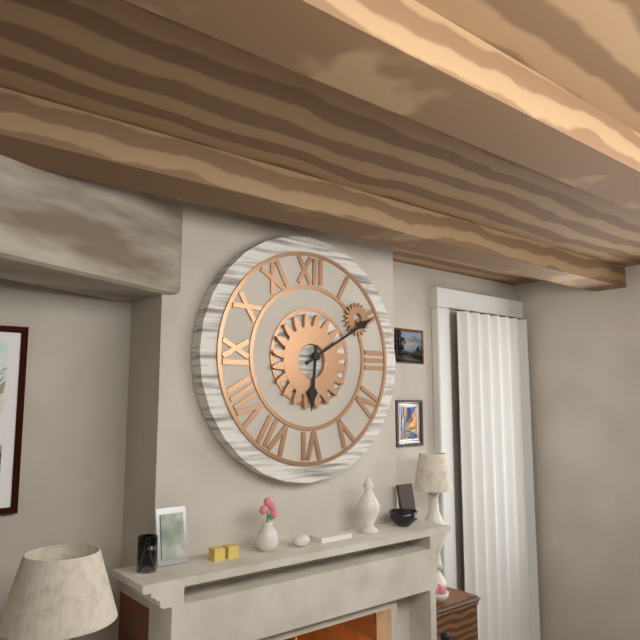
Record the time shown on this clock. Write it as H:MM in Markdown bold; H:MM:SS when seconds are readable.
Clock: **6:10**
